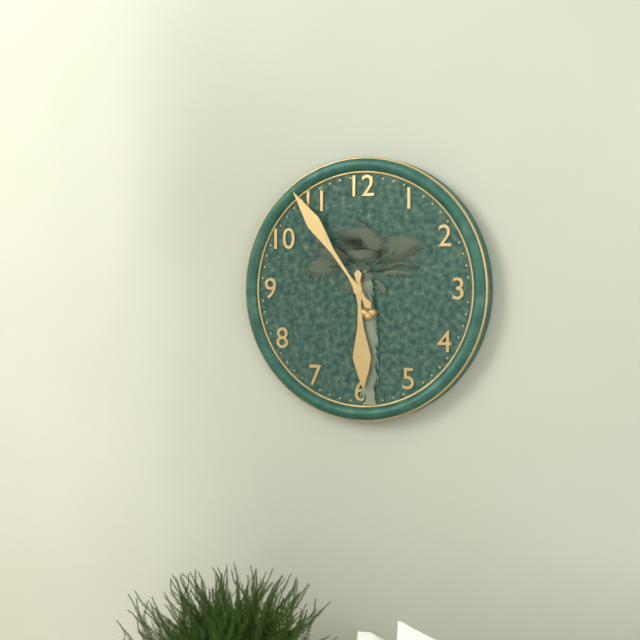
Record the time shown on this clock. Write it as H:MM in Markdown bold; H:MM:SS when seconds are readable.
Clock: **5:54**
